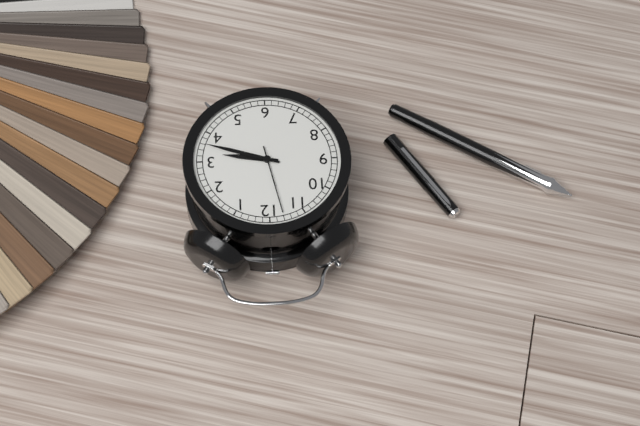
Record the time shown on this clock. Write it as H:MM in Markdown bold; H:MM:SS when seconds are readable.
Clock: **3:18:58**
